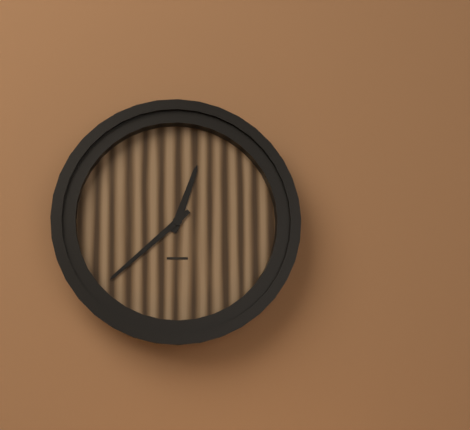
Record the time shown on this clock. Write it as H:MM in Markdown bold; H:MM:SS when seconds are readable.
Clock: **12:38**
